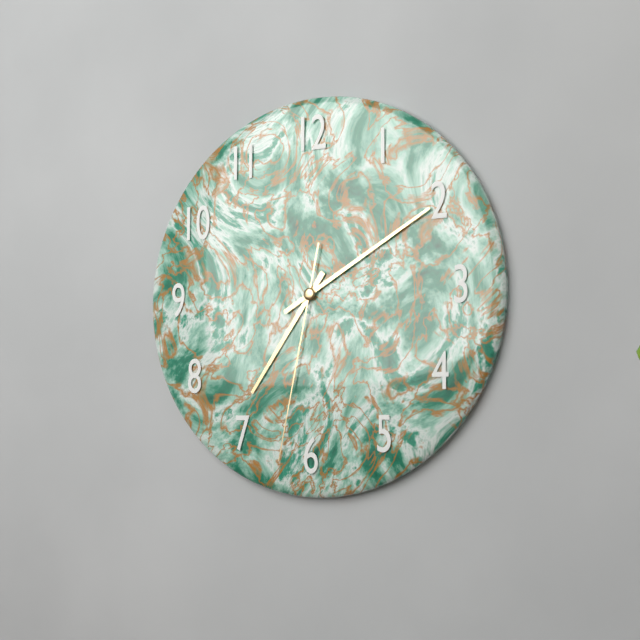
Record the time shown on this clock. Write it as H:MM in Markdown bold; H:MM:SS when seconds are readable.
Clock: **7:10:32**
